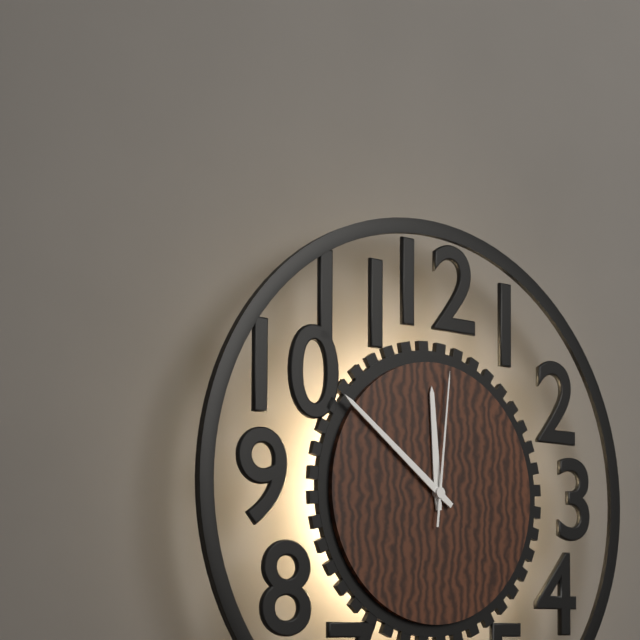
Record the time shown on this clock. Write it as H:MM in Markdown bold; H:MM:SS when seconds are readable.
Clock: **11:51:01**
